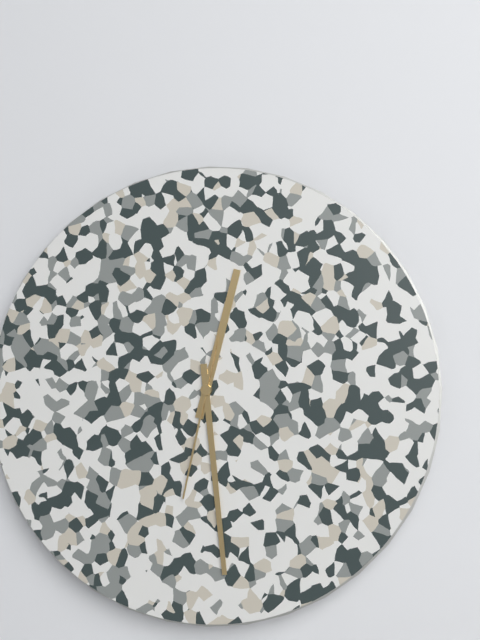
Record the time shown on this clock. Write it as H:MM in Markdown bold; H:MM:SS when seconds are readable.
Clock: **12:29:32**
